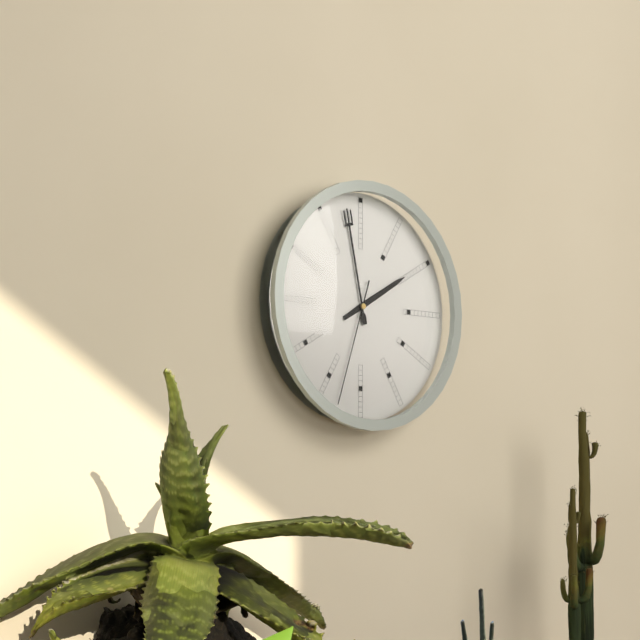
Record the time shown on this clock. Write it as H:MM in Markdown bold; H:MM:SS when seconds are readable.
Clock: **1:58:33**
